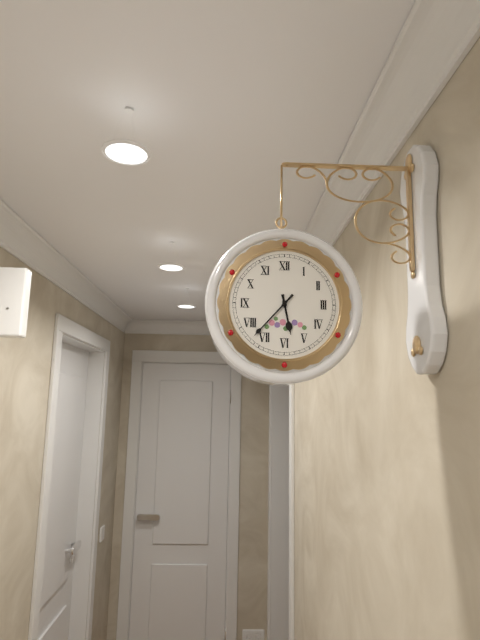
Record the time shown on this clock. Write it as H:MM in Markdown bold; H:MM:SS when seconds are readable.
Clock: **5:37**
